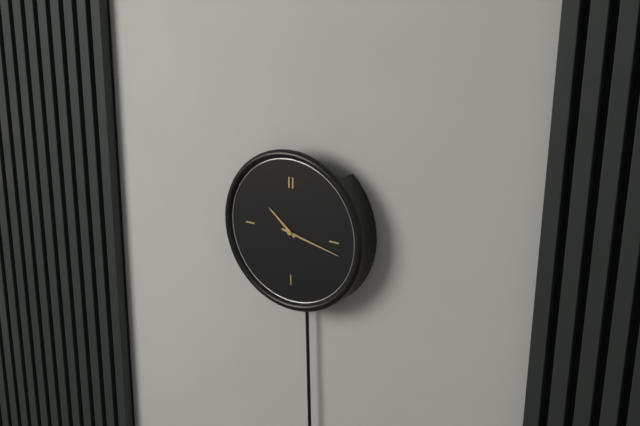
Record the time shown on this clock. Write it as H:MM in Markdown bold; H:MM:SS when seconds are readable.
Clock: **10:17**
